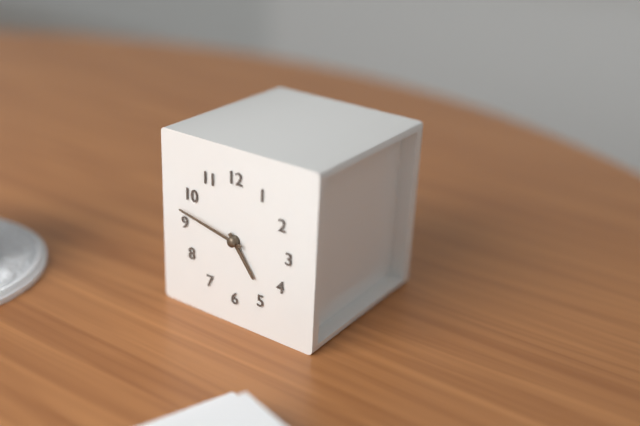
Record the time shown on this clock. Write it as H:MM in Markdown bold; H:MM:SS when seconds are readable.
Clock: **4:47**
